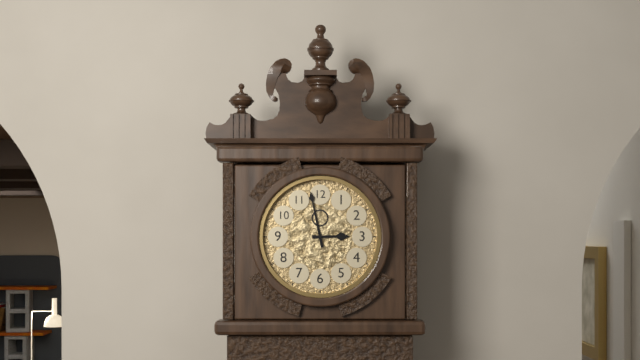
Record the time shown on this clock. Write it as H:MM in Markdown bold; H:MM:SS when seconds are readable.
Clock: **2:58**
